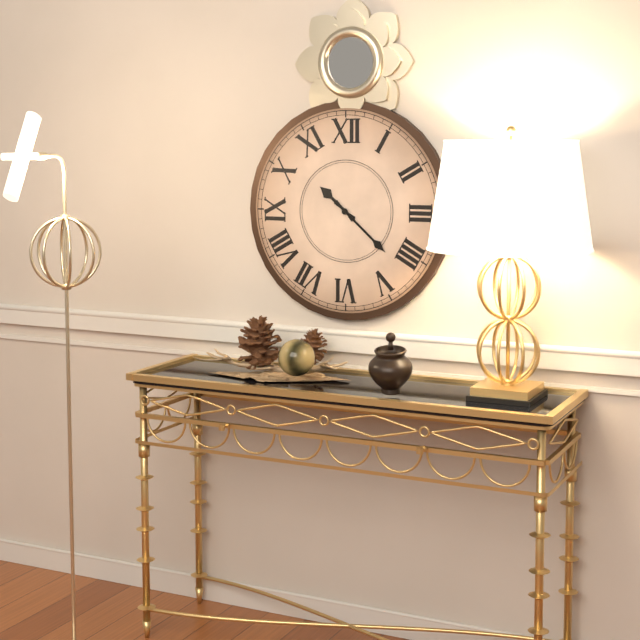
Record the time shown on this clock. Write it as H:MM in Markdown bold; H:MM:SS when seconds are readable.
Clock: **10:22**
